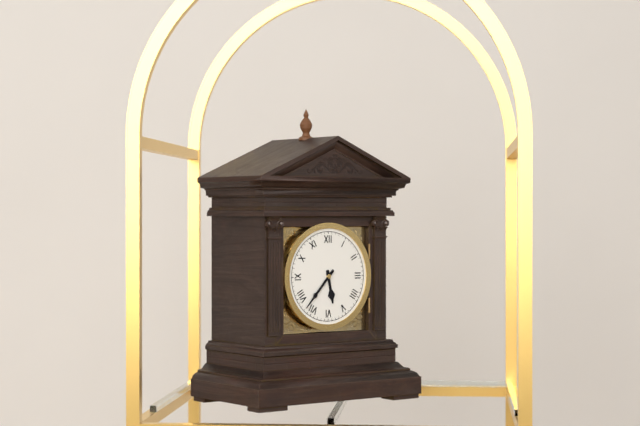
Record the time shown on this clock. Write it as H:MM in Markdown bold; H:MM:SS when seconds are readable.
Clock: **5:37**
